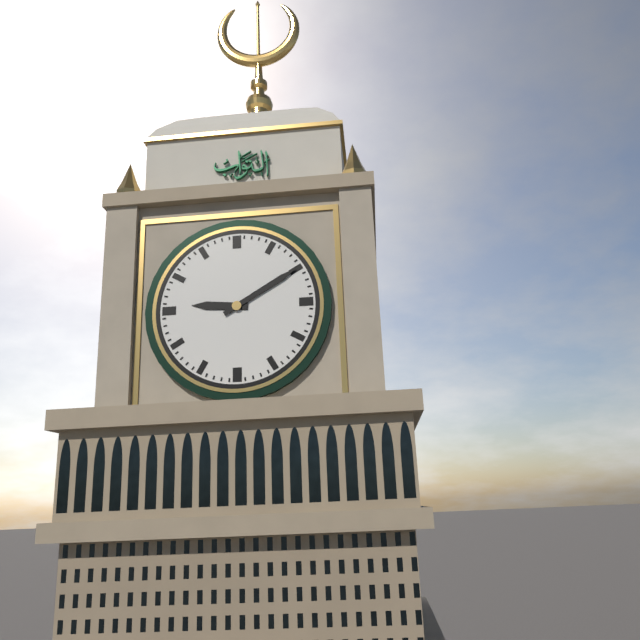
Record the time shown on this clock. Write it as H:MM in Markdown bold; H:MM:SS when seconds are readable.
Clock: **9:10**
